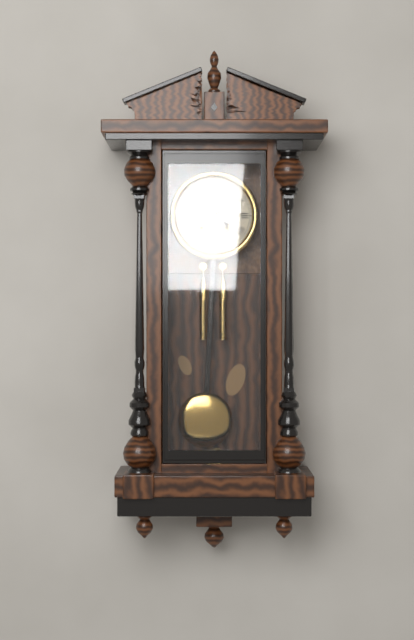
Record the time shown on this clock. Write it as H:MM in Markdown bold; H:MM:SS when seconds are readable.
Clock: **4:09**
